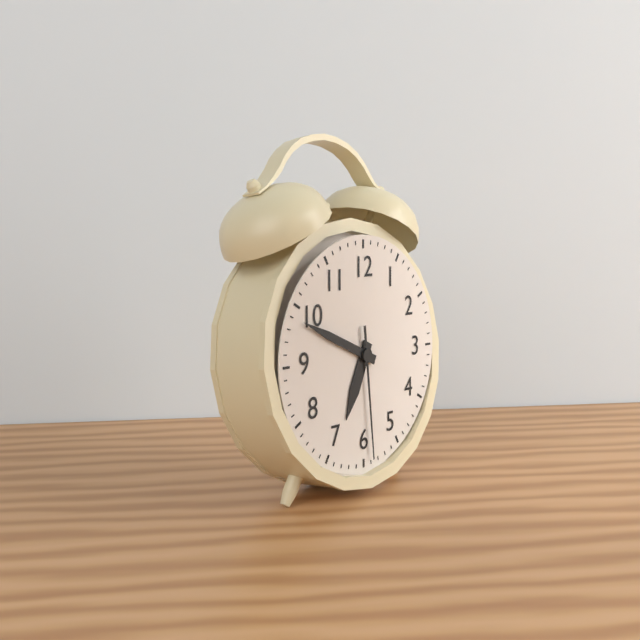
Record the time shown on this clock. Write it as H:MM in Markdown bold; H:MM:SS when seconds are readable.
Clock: **6:49:29**
